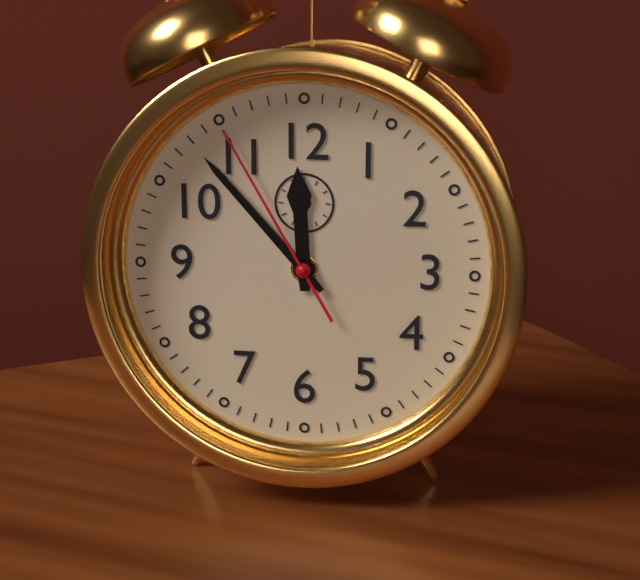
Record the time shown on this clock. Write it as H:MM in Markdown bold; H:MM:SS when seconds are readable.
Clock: **11:53:55**
